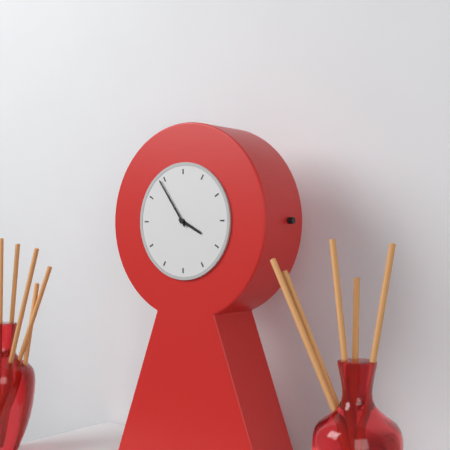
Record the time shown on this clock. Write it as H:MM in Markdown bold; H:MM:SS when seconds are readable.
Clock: **3:54**
